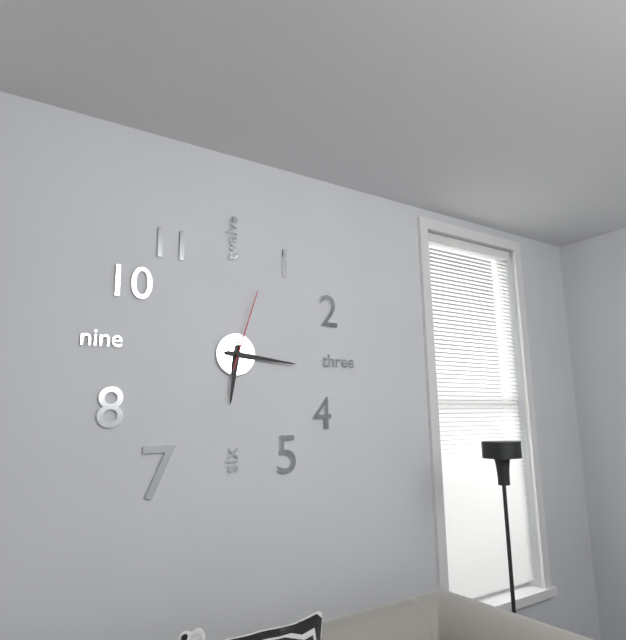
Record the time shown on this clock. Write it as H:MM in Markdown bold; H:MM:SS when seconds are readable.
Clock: **6:16:03**
